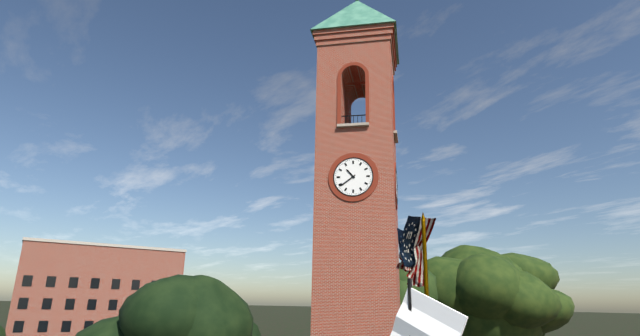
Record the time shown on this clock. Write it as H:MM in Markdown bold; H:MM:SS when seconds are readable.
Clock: **10:39**
